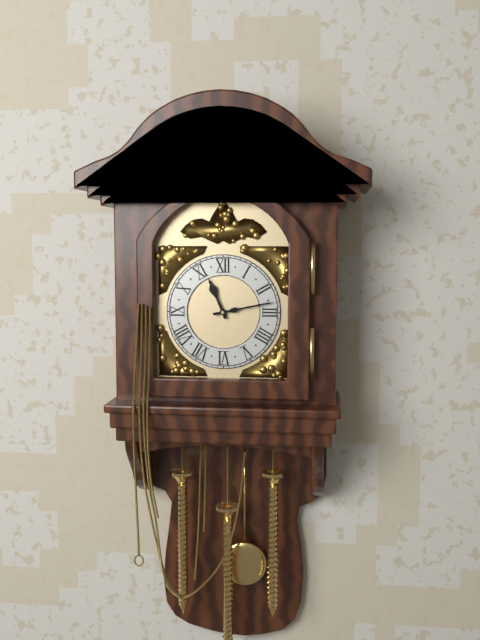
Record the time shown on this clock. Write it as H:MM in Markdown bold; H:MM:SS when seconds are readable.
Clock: **11:13**
